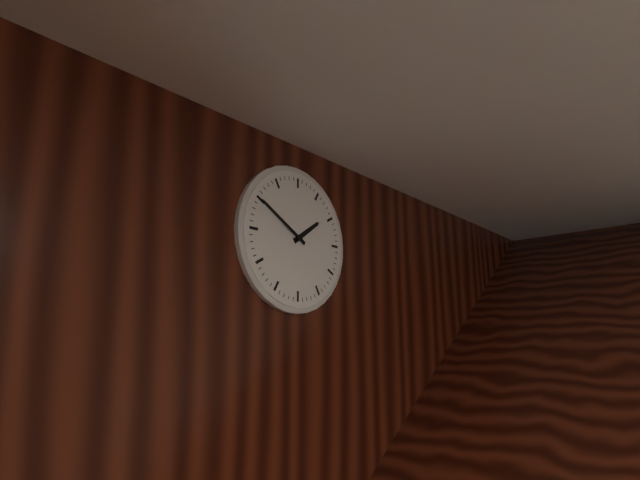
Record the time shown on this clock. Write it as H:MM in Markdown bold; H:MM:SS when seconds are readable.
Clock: **1:50**
